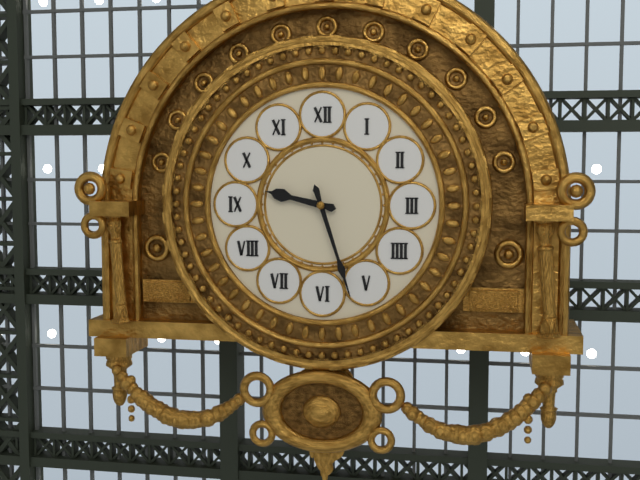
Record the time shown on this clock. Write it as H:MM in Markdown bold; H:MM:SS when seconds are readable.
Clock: **9:27**
